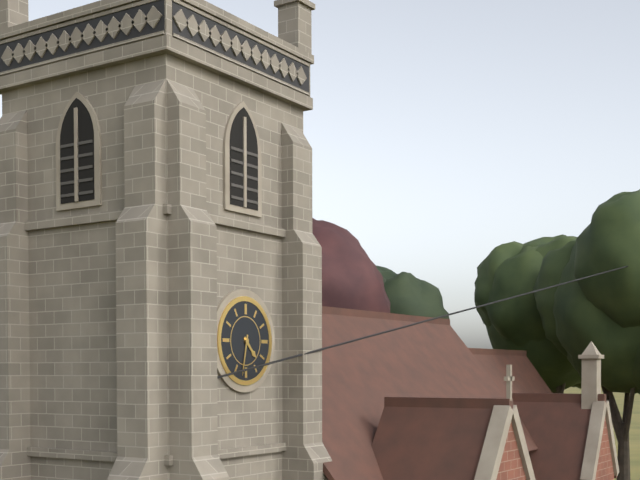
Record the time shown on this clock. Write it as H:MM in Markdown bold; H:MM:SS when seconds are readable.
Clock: **4:32**
